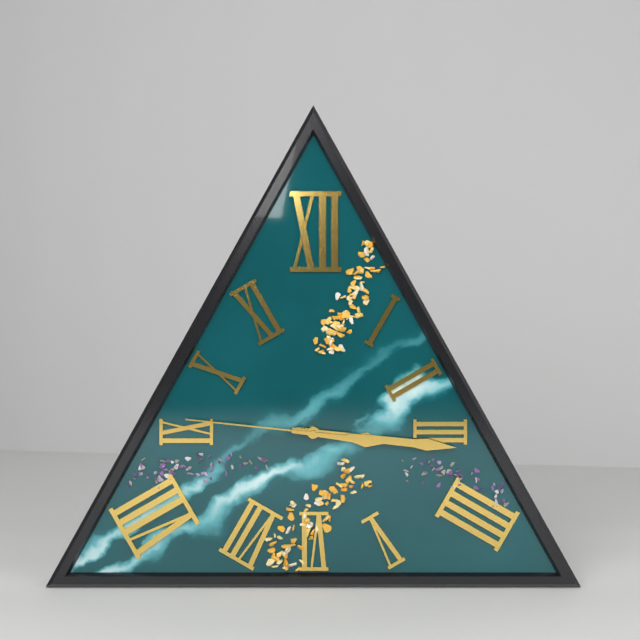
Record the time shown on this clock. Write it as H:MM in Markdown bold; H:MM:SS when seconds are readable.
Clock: **3:16:46**
